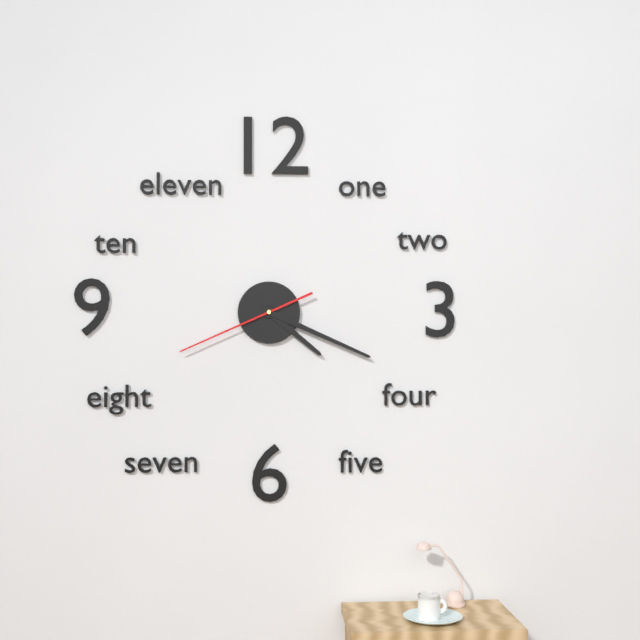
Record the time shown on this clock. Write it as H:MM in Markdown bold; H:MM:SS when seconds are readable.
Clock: **4:19:41**
